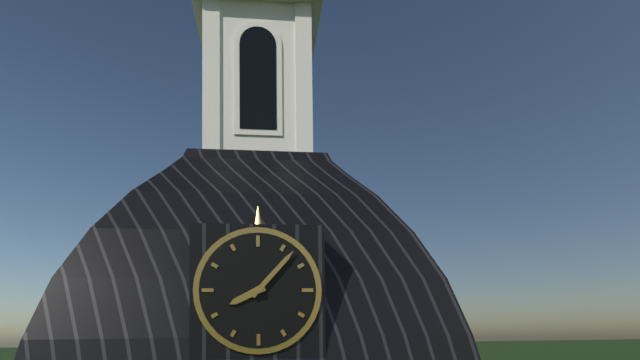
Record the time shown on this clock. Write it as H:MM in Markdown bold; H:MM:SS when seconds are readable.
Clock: **8:07**
